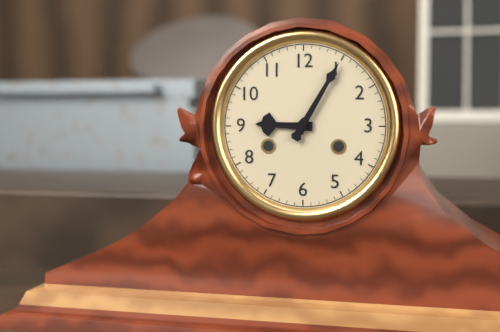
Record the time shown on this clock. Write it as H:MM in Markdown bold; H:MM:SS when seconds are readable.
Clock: **9:05**
